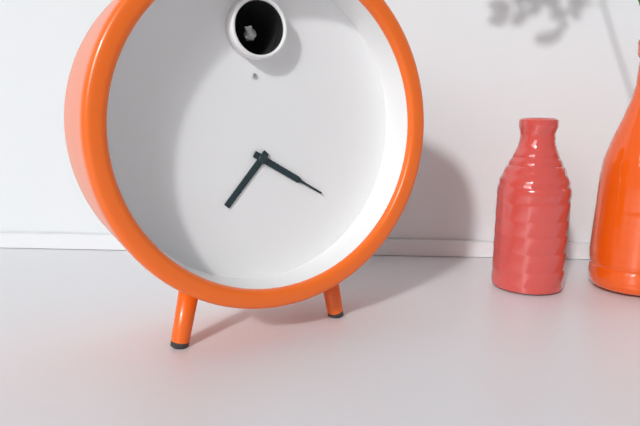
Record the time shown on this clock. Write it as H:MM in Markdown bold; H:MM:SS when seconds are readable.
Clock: **7:20**
